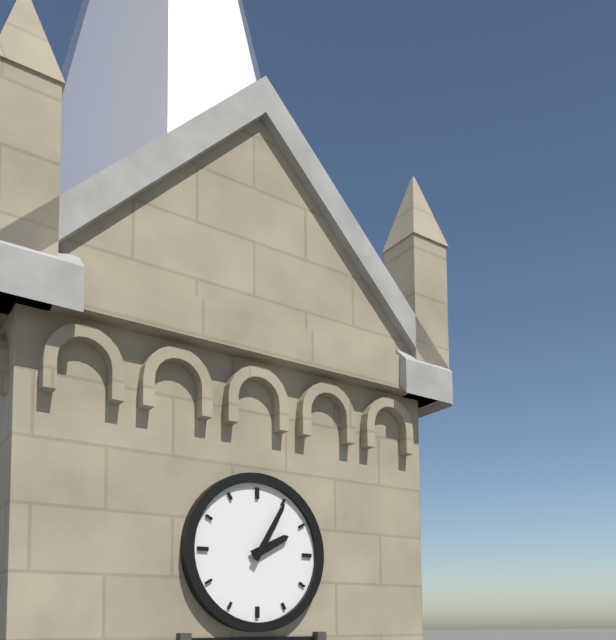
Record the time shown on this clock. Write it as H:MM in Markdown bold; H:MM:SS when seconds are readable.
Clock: **2:05**
